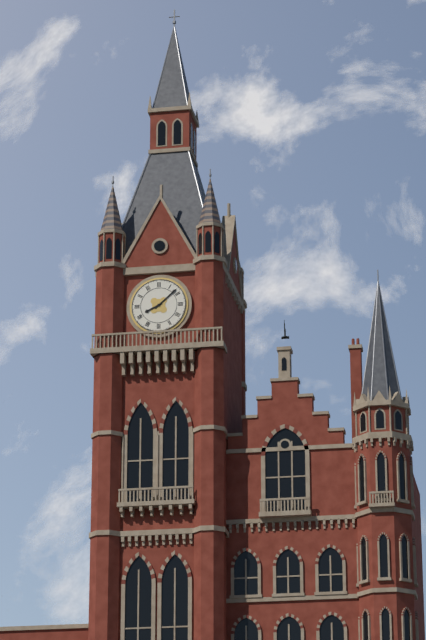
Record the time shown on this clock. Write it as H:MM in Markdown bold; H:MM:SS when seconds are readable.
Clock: **8:08**
